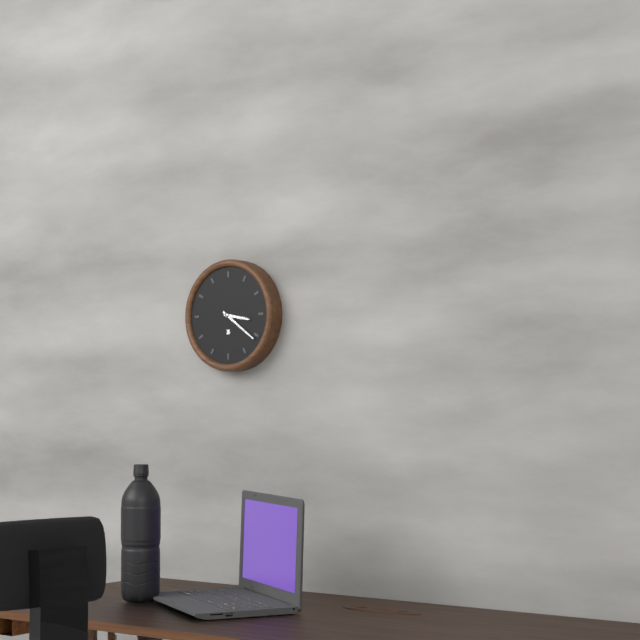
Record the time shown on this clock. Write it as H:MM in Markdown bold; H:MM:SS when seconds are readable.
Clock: **3:21**
